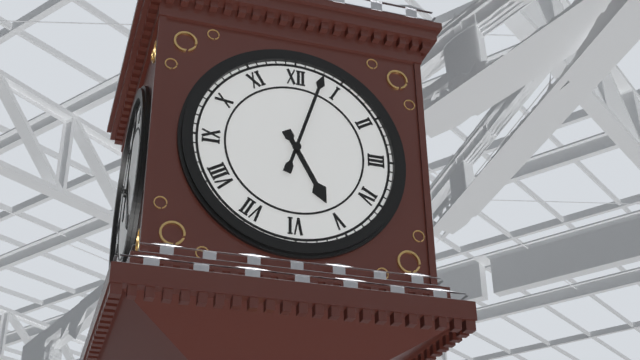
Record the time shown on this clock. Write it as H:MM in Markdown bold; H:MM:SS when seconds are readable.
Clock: **5:03**
